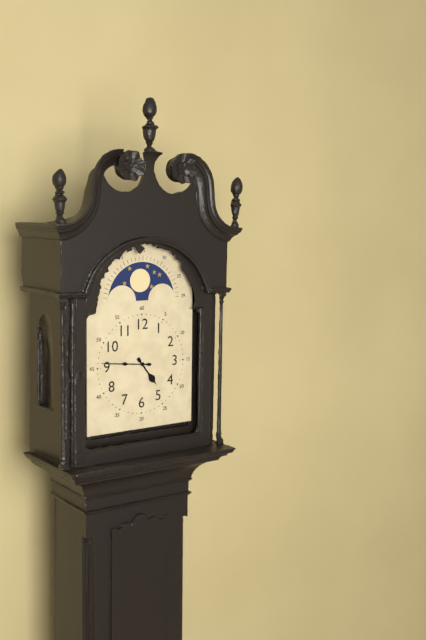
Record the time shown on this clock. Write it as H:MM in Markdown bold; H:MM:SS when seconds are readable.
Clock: **4:46**
